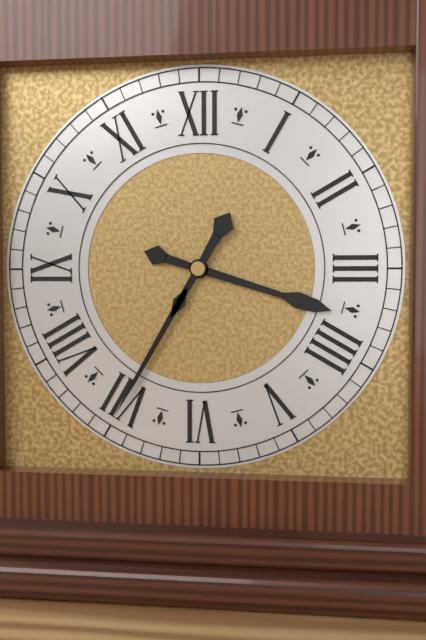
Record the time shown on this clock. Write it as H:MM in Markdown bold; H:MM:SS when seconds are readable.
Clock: **3:35**
